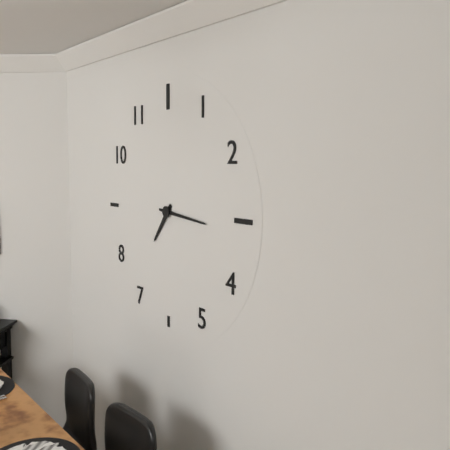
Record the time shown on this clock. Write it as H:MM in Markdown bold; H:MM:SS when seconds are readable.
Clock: **7:16**
